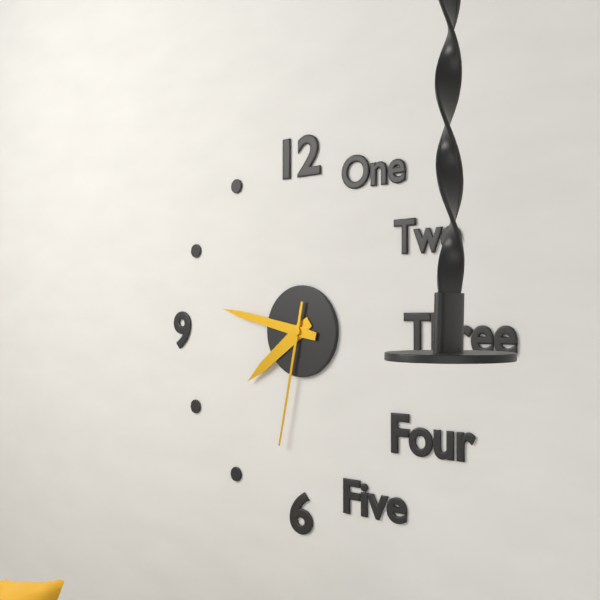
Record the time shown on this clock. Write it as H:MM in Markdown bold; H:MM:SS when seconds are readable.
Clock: **7:47:32**
